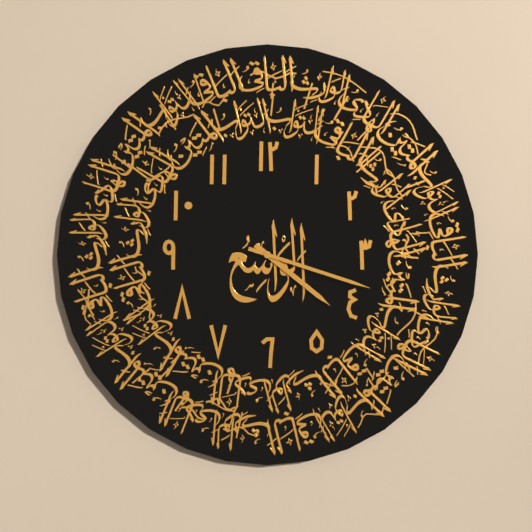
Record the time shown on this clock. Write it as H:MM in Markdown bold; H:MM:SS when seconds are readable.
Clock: **4:18**
